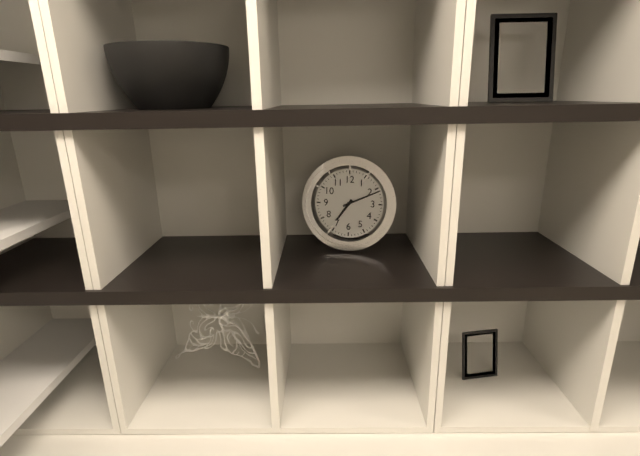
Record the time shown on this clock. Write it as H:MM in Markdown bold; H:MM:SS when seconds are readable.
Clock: **7:11**
